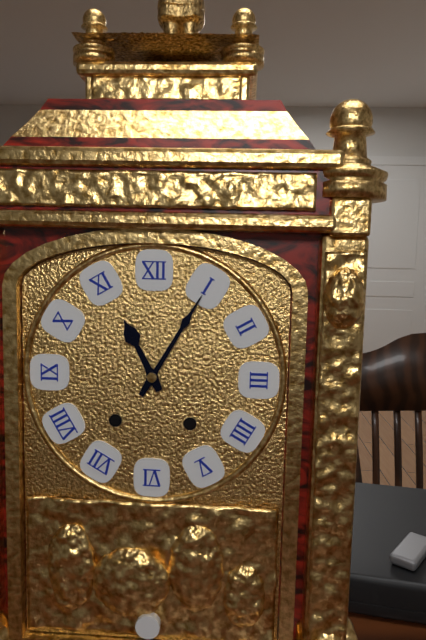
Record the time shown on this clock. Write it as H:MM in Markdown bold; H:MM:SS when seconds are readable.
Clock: **11:05**
